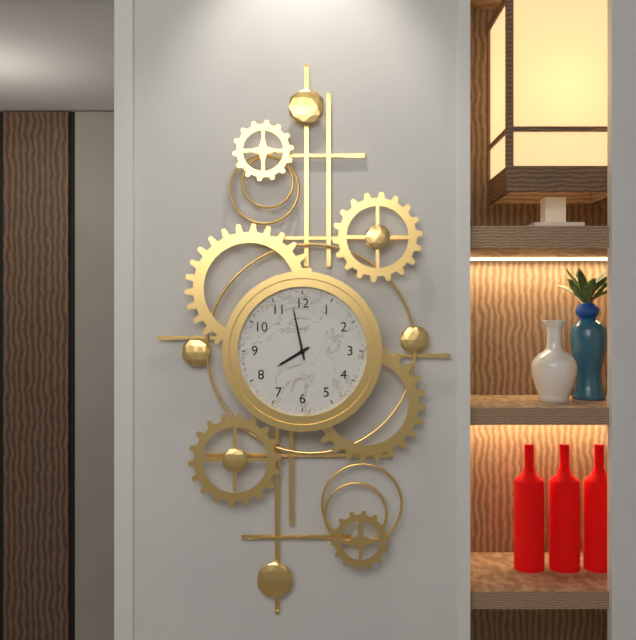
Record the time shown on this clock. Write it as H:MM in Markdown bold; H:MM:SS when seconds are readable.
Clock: **7:58**
